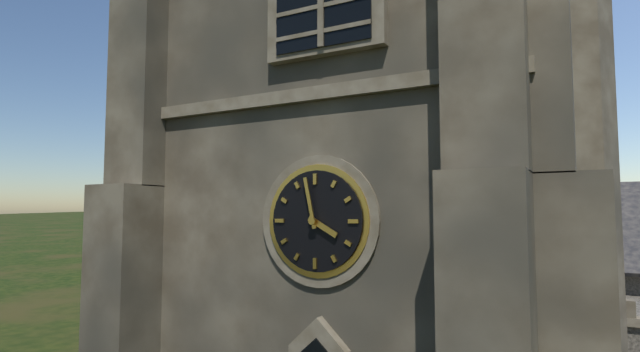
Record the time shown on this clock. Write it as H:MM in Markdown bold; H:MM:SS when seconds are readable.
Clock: **3:58**
